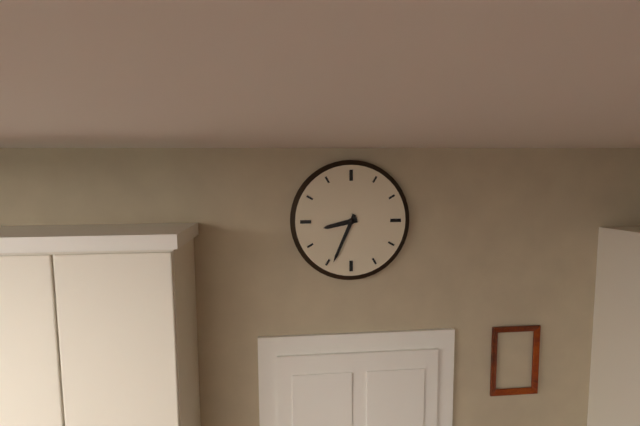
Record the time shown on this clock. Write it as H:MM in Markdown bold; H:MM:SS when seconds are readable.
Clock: **8:34**
